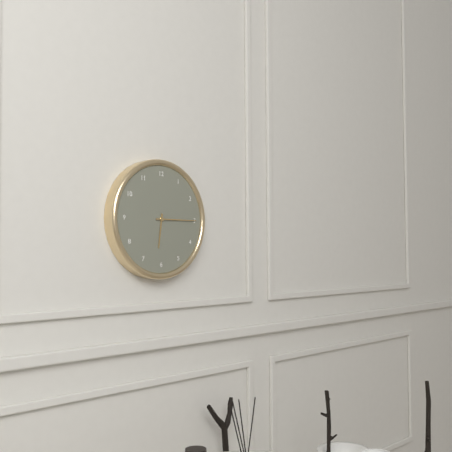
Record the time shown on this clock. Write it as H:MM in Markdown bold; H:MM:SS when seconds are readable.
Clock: **6:15**
